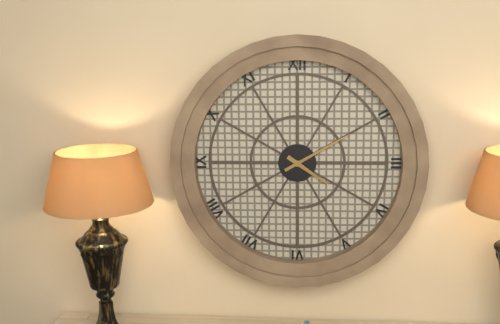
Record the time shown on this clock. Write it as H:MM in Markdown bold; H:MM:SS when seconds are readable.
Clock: **4:10**
